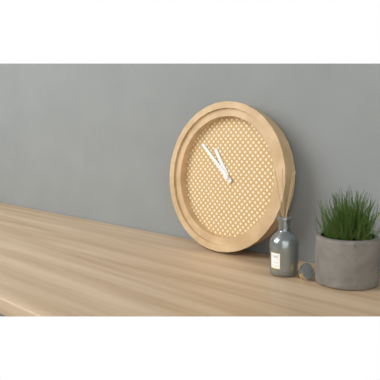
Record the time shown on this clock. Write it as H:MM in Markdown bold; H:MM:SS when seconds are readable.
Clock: **10:52**
